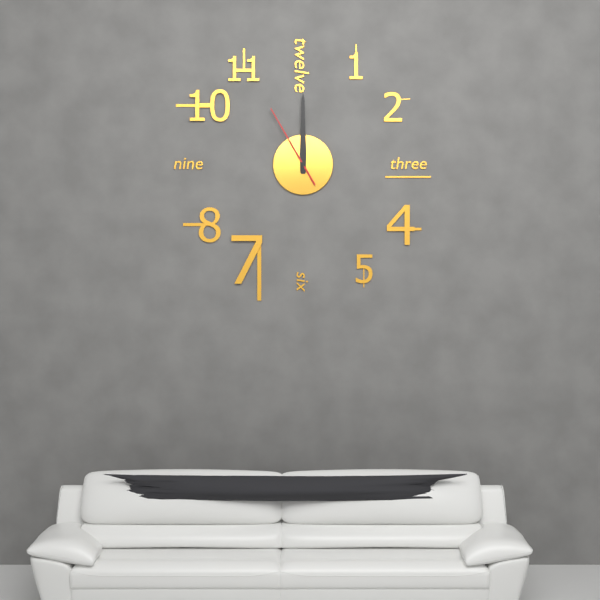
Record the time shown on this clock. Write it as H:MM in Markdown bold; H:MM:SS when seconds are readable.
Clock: **12:00:55**
